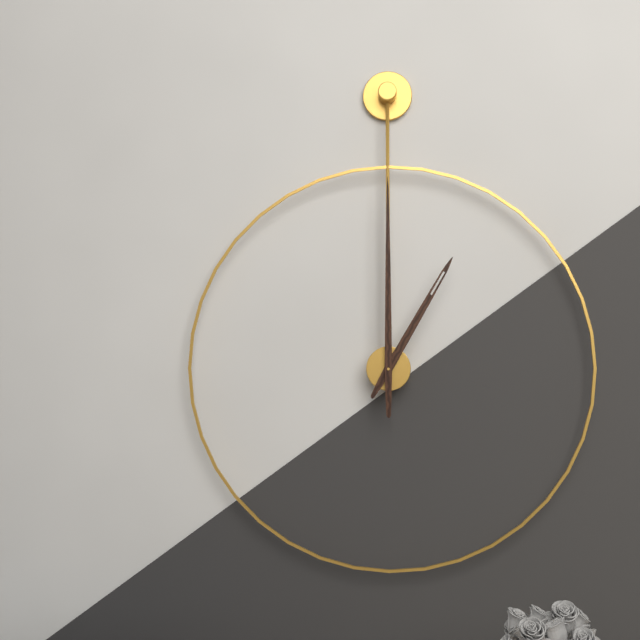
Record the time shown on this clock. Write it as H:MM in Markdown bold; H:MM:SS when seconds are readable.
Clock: **1:00**
